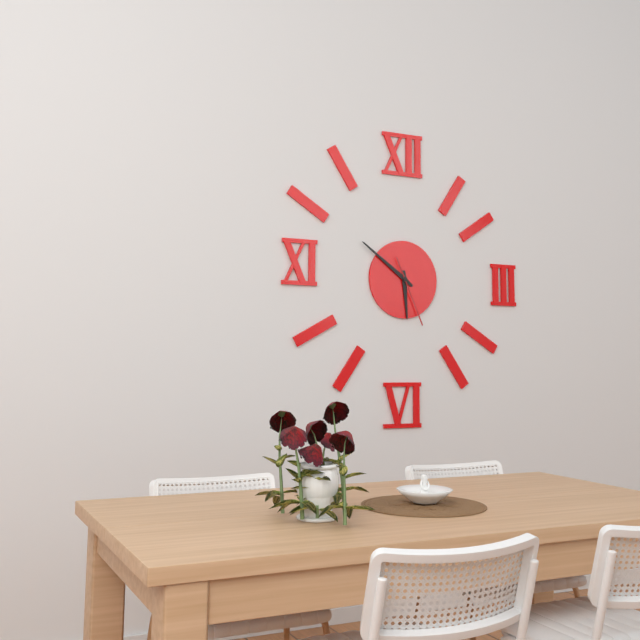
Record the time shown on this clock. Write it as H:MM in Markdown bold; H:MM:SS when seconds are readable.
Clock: **5:51:26**
